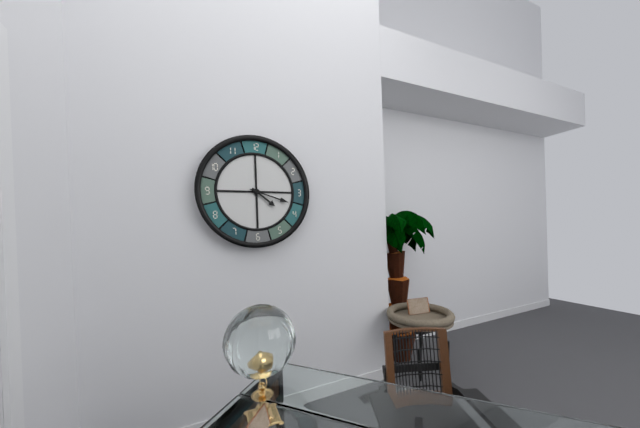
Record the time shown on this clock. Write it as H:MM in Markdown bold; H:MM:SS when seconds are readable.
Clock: **4:18**
